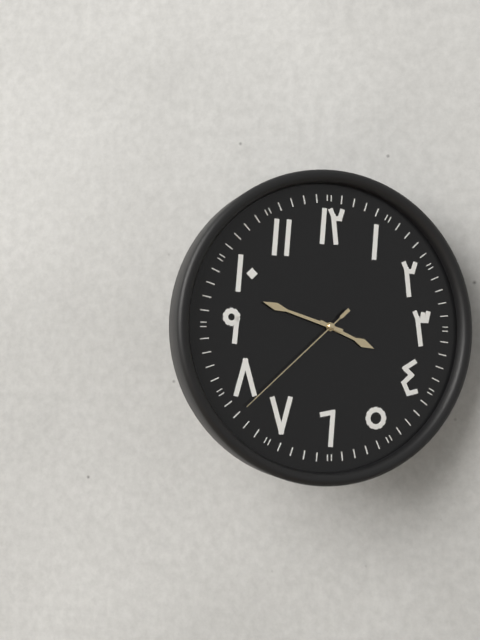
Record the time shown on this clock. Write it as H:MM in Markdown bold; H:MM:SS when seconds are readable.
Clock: **3:48:38**
